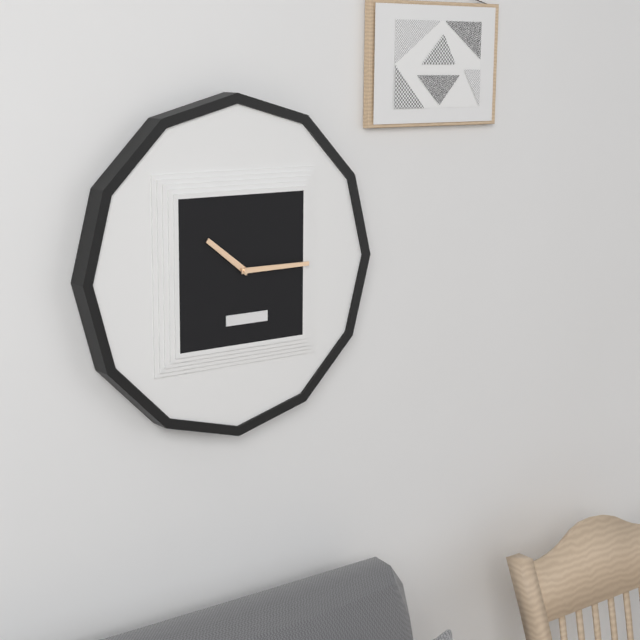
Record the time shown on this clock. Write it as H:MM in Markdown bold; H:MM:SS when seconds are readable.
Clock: **10:15**
